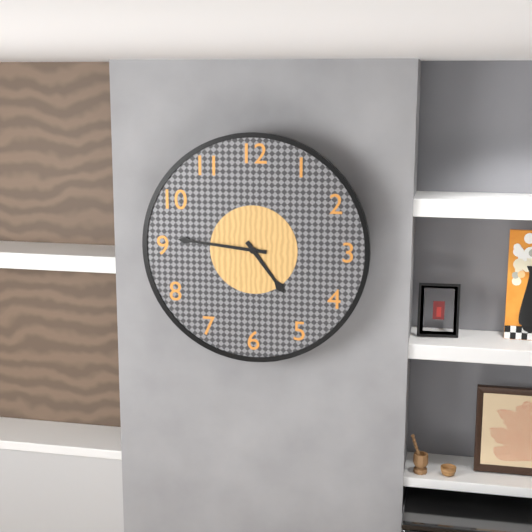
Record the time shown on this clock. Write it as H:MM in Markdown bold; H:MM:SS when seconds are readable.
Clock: **4:46**
